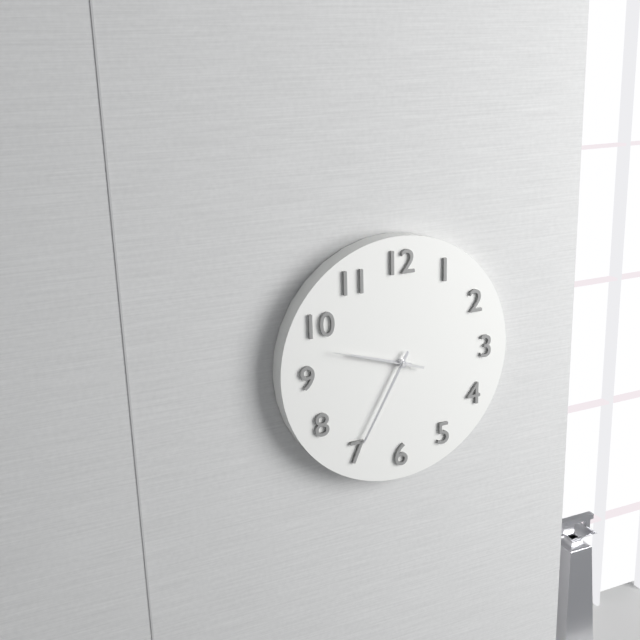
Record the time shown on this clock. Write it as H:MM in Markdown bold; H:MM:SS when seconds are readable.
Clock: **9:35:48**
